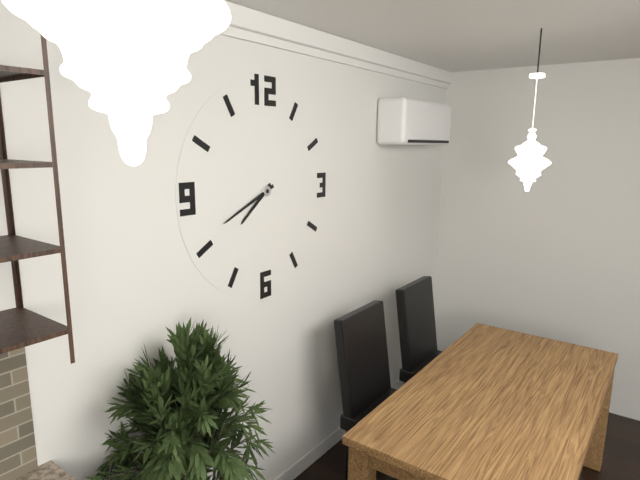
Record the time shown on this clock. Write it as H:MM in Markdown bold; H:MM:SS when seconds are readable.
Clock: **7:41**
